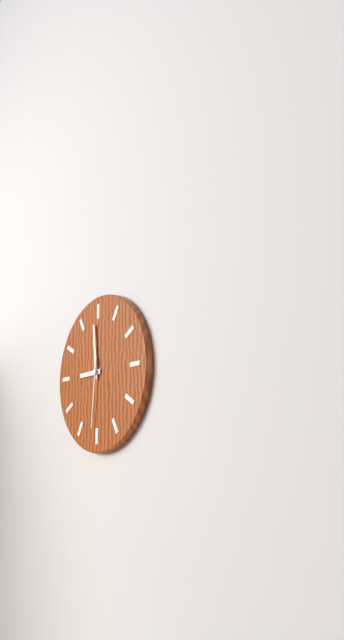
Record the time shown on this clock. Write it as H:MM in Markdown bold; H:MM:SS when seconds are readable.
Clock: **8:59:31**
